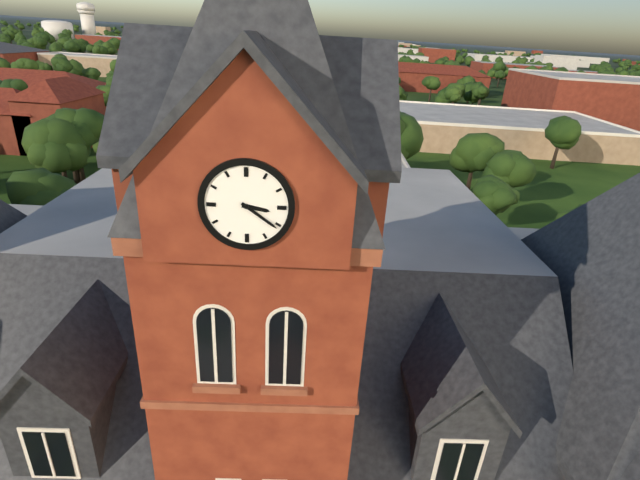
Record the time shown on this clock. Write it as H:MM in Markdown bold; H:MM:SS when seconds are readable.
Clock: **3:21**
